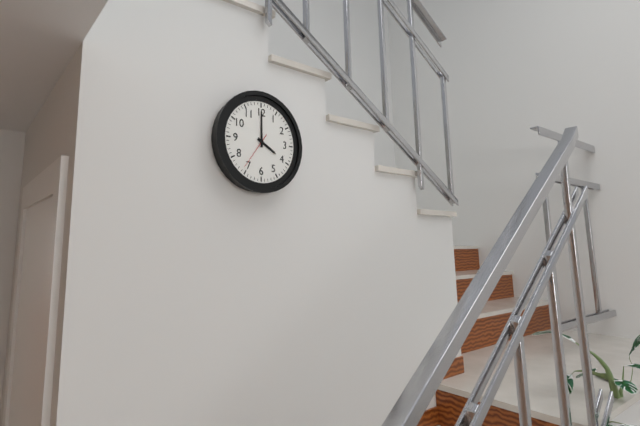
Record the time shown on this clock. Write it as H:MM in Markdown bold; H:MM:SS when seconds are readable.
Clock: **4:00**
